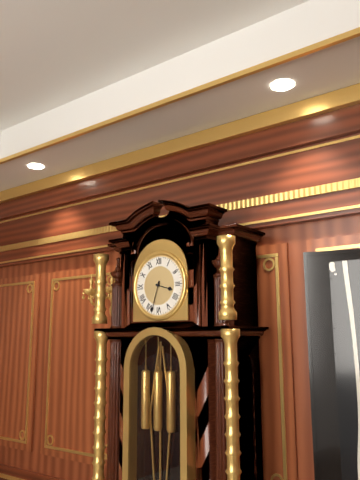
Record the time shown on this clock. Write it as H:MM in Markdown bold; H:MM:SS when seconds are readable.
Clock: **3:33**
